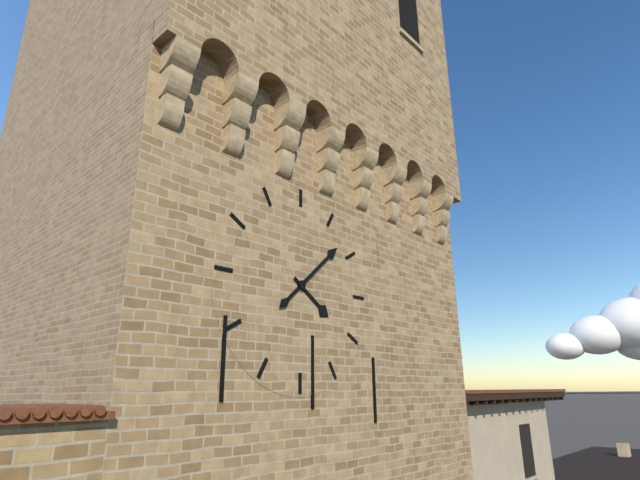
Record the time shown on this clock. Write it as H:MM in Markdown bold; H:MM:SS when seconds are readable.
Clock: **4:08**
